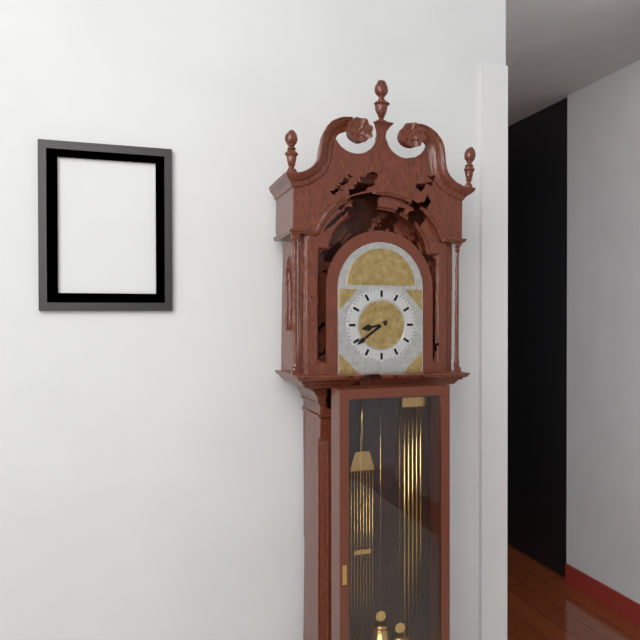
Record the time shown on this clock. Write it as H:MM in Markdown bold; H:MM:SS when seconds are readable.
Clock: **8:39**
